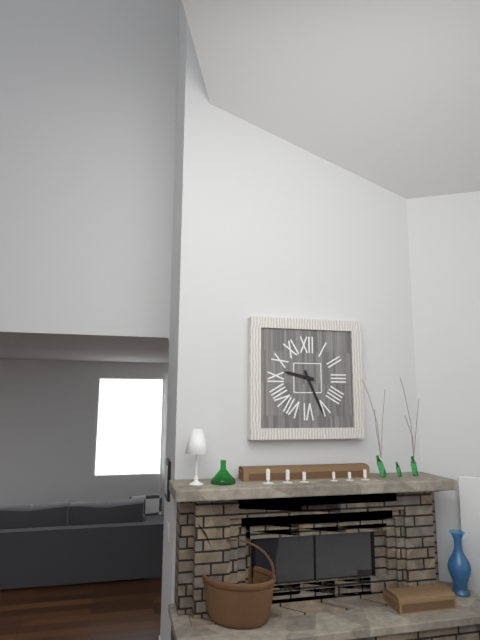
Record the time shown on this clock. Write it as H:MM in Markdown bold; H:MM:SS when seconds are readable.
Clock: **9:26**
